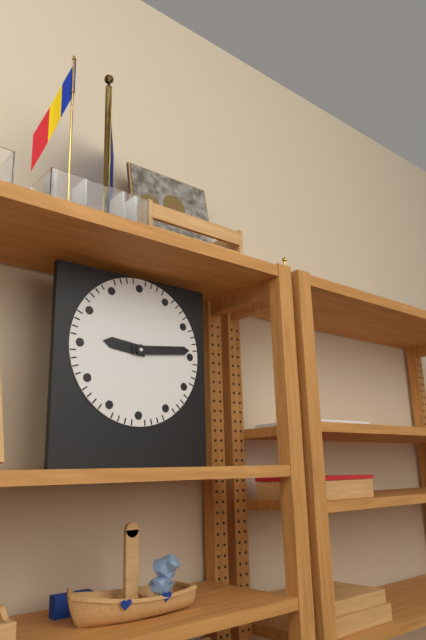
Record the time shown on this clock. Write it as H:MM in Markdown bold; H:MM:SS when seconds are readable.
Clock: **9:14**
